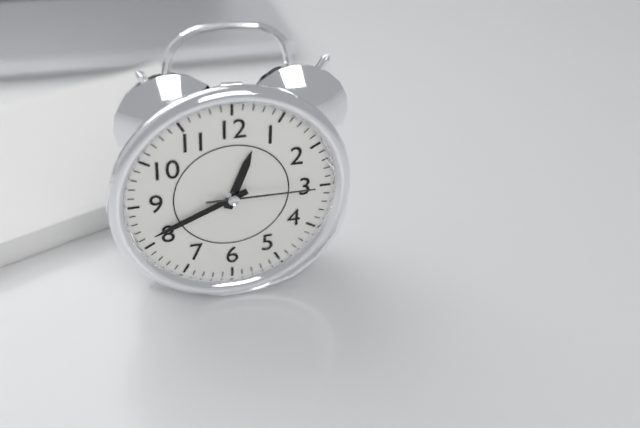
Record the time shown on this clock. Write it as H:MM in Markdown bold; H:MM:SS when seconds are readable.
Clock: **12:41:15**
